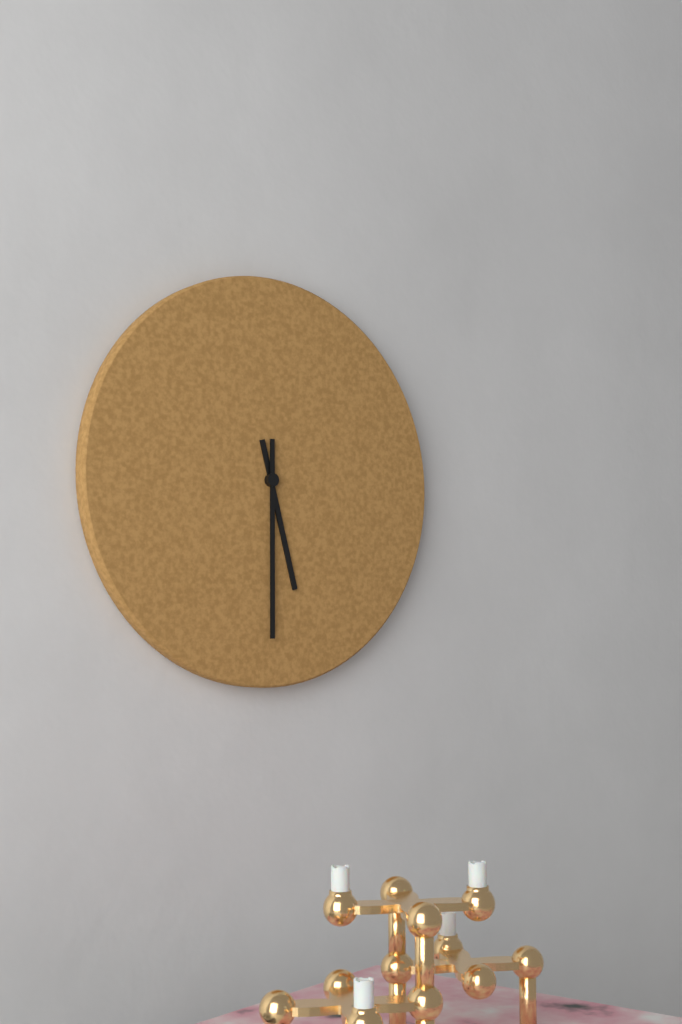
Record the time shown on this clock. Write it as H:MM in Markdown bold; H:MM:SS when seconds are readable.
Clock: **5:30**
